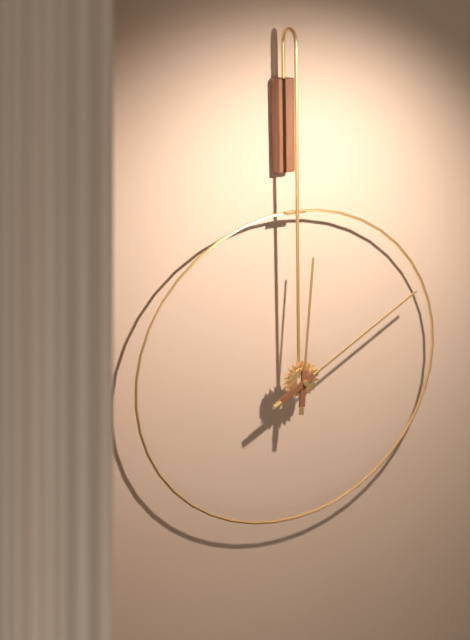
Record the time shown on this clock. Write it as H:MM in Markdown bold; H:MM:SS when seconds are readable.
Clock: **12:10**
